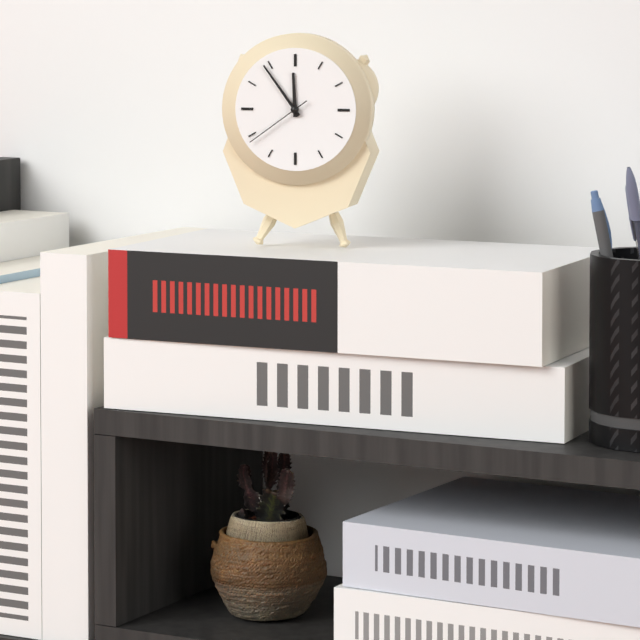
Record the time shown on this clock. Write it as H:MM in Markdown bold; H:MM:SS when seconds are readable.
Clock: **11:54:39**
